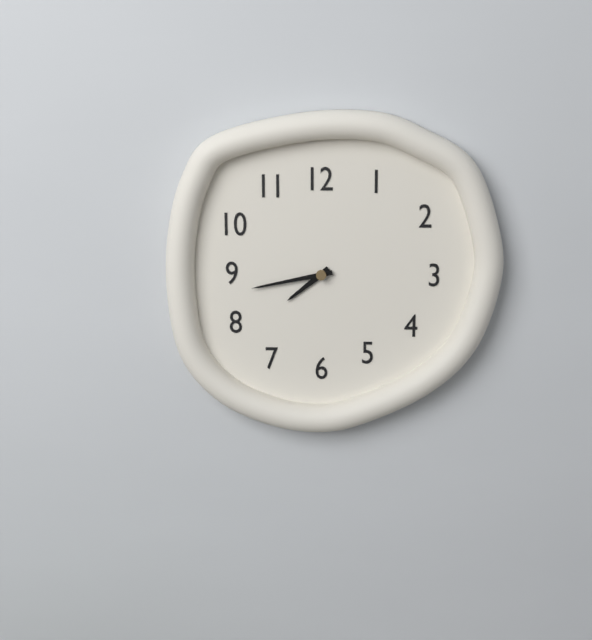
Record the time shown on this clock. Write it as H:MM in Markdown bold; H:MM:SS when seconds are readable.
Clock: **7:43**
